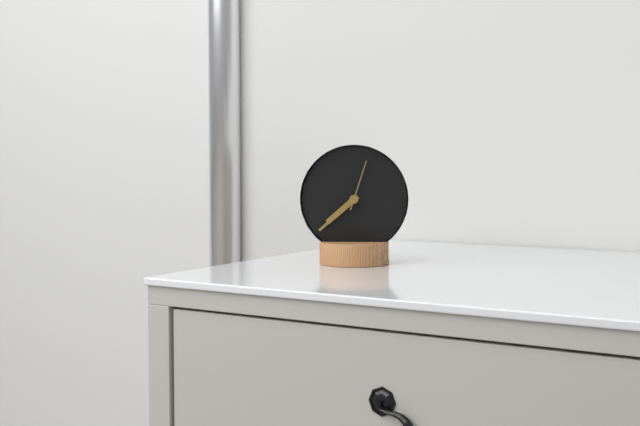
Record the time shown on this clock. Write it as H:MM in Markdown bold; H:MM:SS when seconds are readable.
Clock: **7:38:03**
